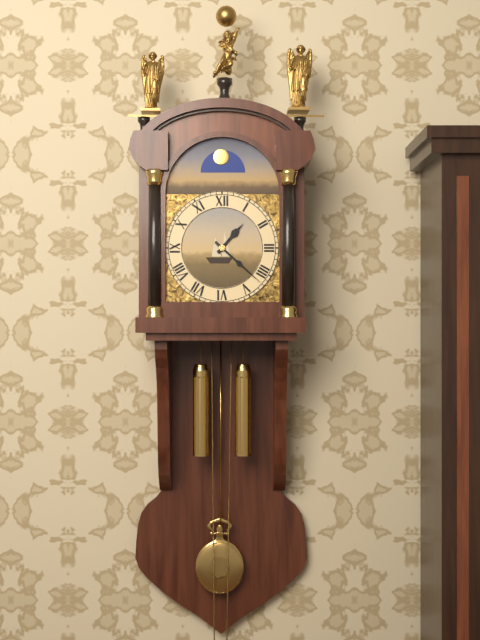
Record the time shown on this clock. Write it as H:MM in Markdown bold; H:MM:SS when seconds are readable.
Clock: **1:22**
